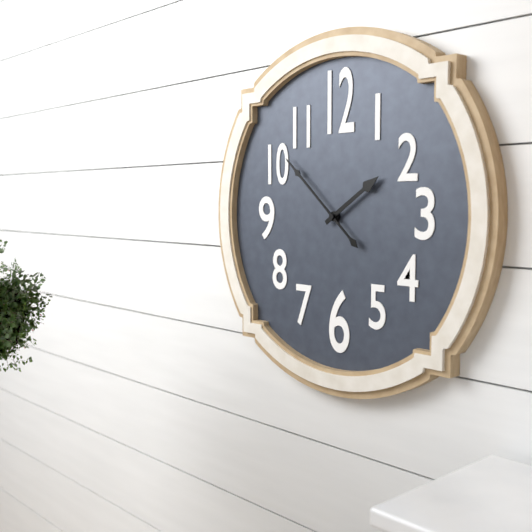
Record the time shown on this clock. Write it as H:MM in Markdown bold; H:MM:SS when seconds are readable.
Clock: **1:52**
